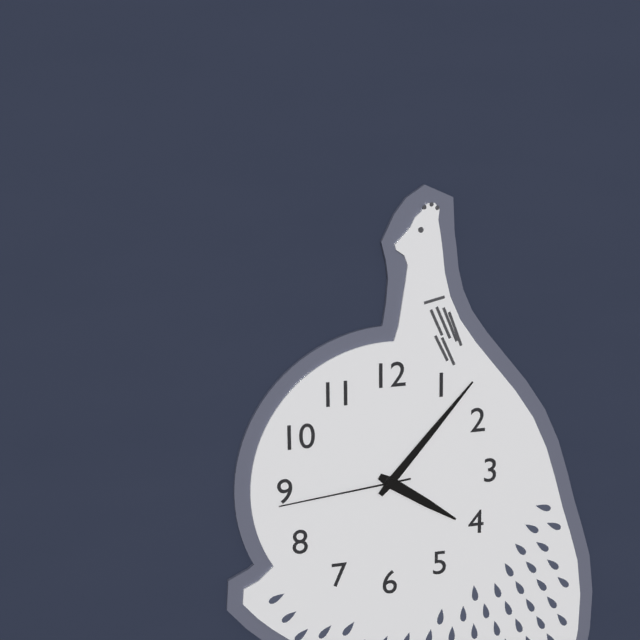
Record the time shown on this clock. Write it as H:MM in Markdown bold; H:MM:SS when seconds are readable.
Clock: **4:07:44**
